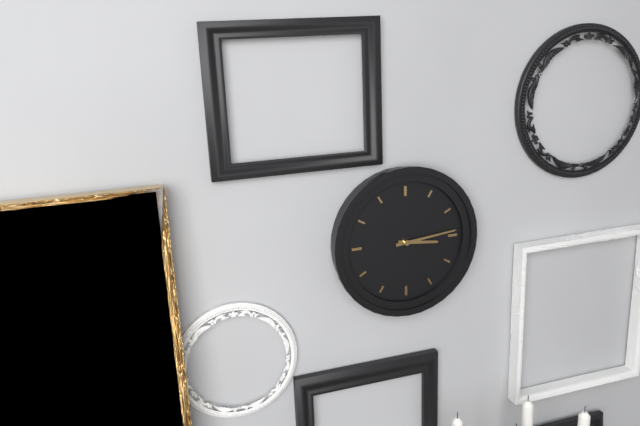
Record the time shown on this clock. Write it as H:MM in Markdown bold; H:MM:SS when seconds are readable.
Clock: **3:14**
